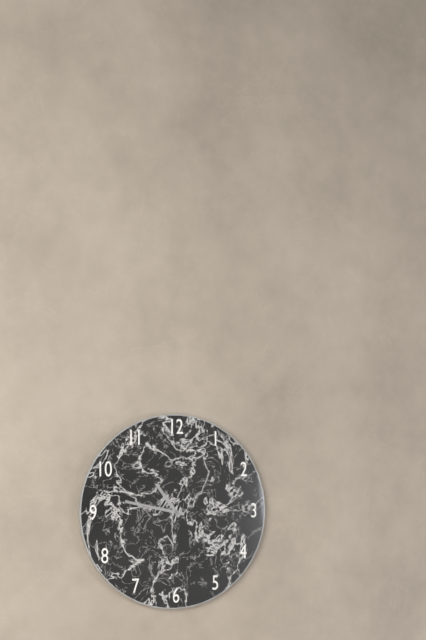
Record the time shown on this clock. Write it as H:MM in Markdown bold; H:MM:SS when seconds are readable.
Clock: **10:47**
